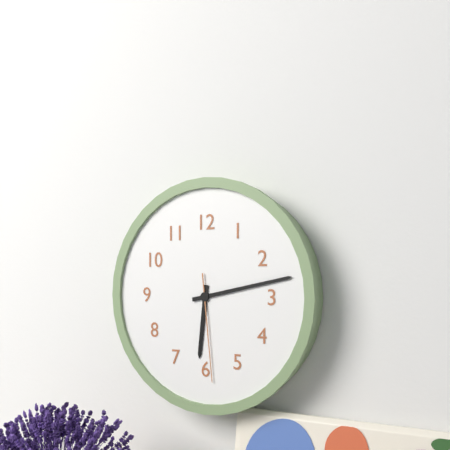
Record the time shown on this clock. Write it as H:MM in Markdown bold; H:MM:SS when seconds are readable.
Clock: **6:13:29**
